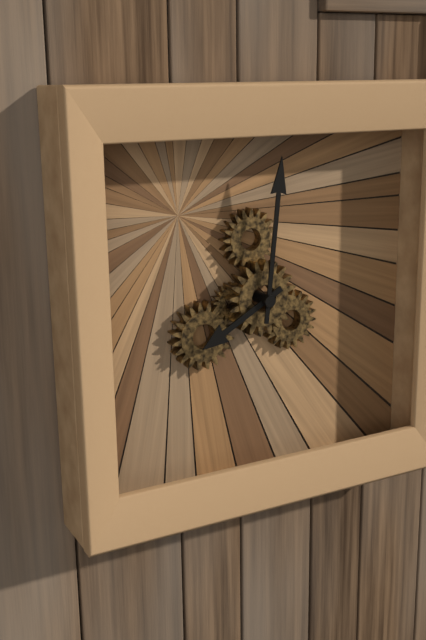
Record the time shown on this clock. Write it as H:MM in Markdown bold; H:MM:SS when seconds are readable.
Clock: **8:01**
